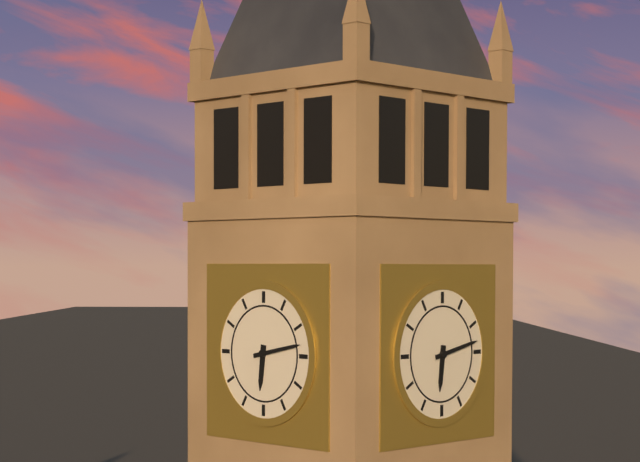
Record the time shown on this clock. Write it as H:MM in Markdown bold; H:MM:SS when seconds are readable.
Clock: **6:13**
